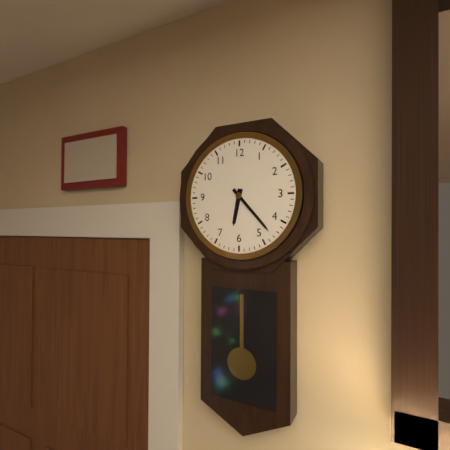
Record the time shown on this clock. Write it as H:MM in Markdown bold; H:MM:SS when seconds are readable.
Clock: **6:23**
